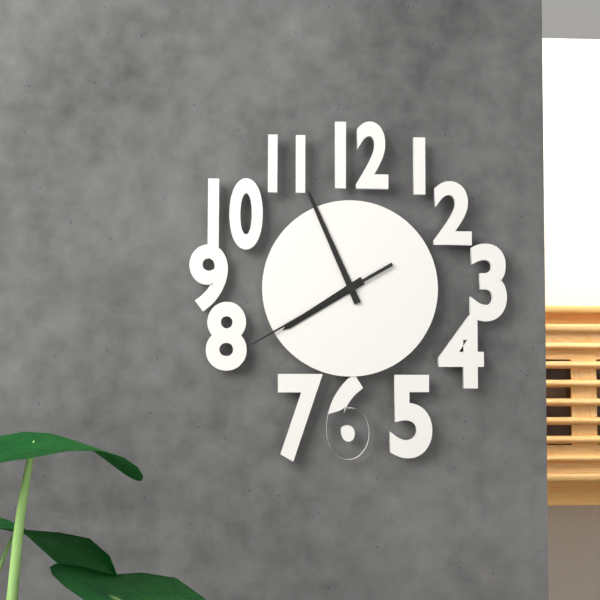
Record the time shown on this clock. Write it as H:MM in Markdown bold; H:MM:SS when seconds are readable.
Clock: **7:56:40**
